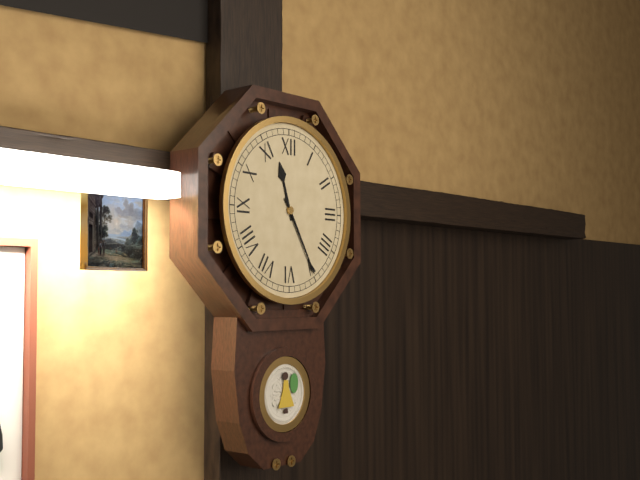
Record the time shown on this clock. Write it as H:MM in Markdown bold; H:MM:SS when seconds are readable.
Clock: **11:25**
